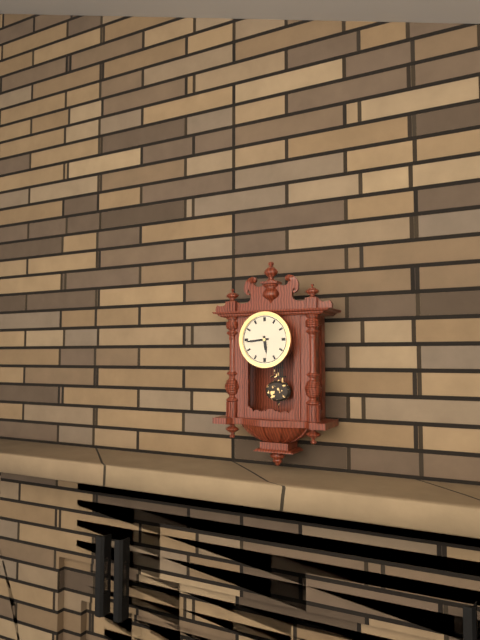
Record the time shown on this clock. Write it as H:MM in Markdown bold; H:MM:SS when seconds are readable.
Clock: **5:44**
